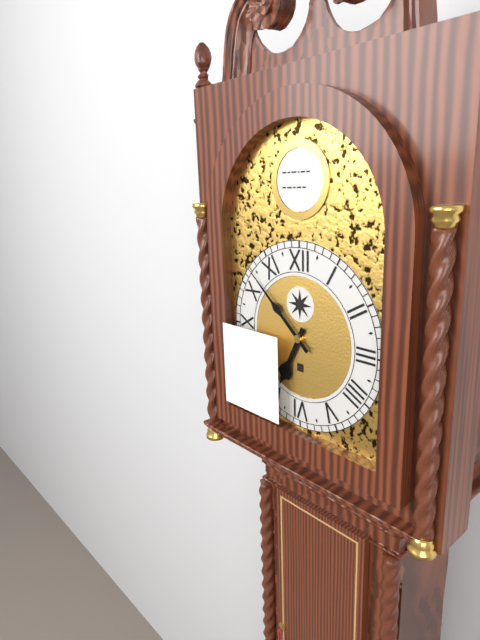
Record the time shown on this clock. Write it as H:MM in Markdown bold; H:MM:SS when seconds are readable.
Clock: **6:52**
